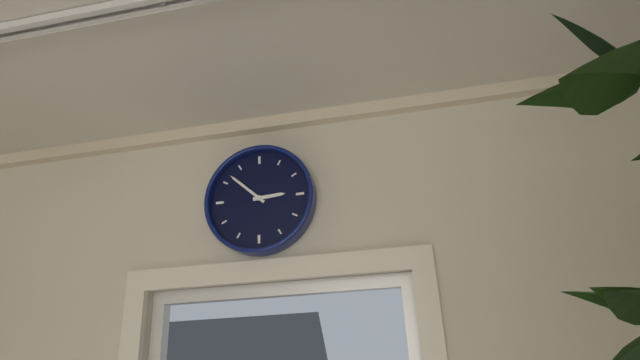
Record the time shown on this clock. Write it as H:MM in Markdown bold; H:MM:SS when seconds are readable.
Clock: **2:52**
